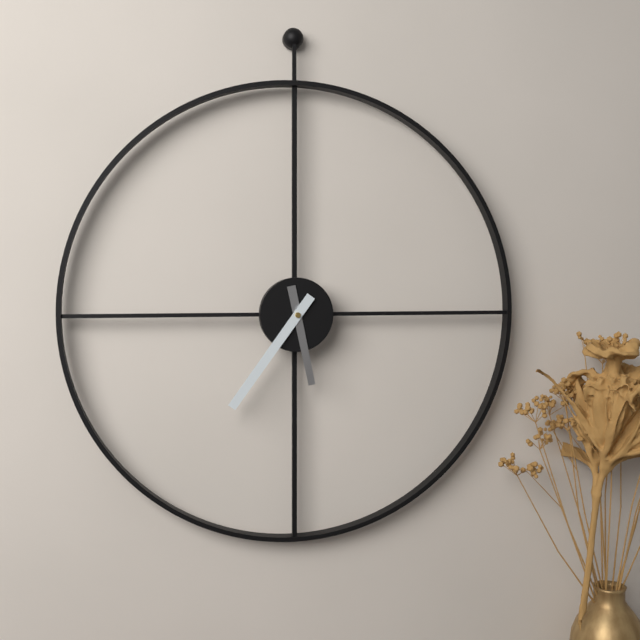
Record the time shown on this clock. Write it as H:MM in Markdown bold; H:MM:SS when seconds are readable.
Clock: **5:36**
